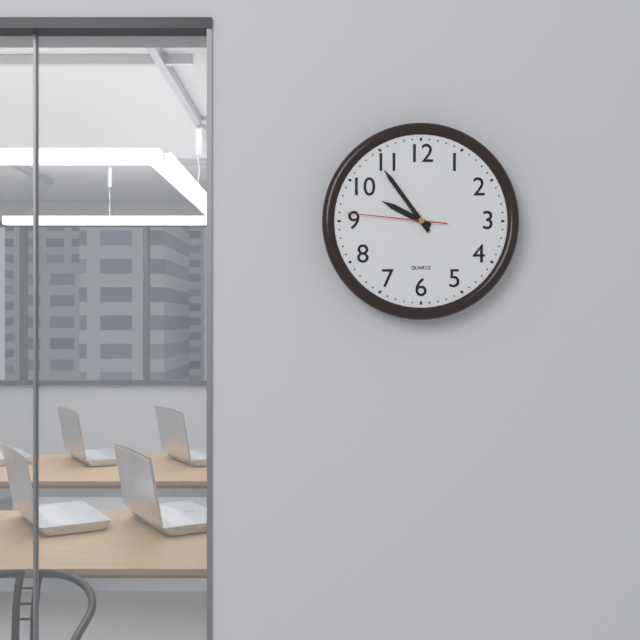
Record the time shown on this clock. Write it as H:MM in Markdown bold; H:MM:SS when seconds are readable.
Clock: **9:54:46**
